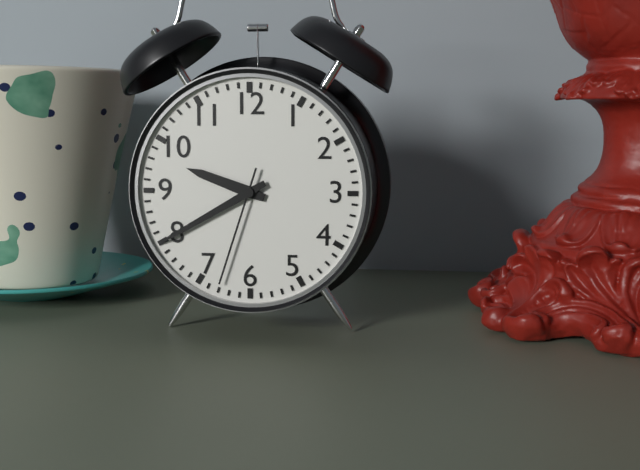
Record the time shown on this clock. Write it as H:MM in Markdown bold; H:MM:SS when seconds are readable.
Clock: **9:40:33**
